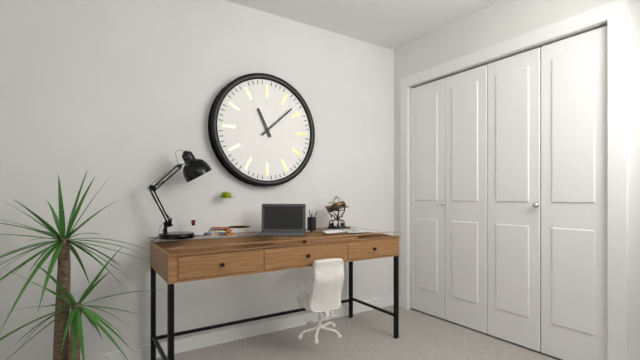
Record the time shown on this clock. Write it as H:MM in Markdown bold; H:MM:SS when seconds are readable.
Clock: **11:08**
